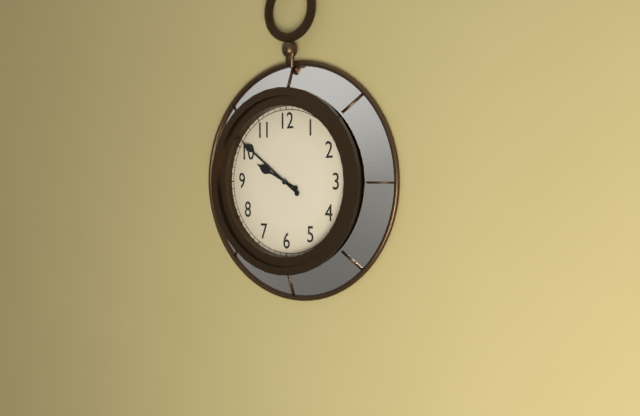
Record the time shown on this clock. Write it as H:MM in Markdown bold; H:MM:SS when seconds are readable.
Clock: **9:51**
